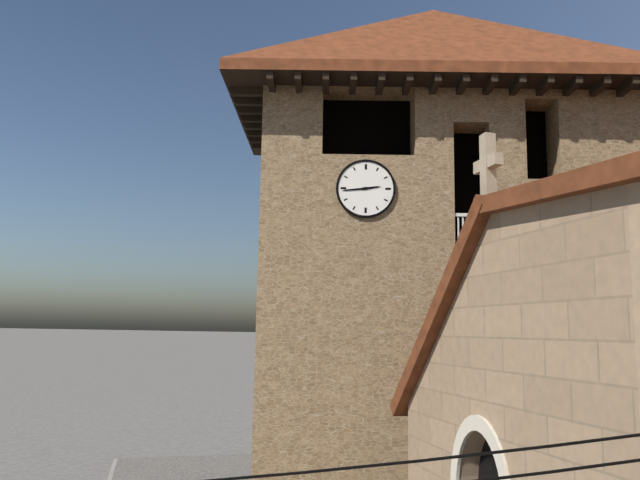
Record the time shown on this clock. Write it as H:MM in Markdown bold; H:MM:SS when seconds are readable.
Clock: **2:44**
